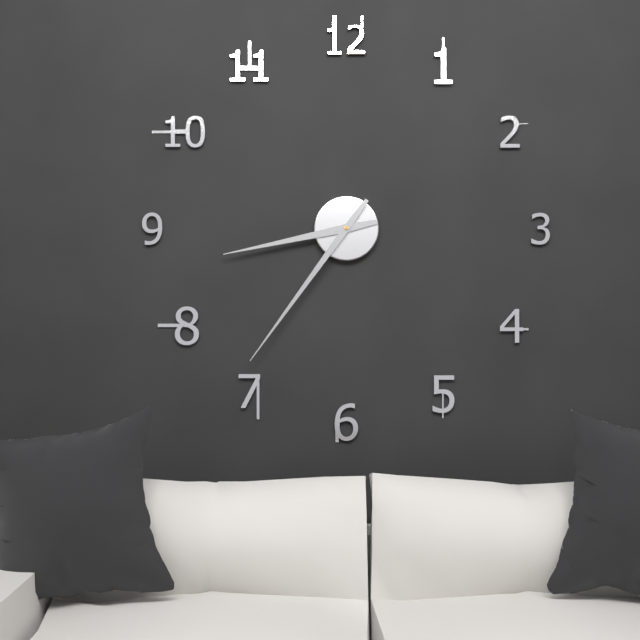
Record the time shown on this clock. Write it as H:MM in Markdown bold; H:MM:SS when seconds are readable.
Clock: **8:36**
